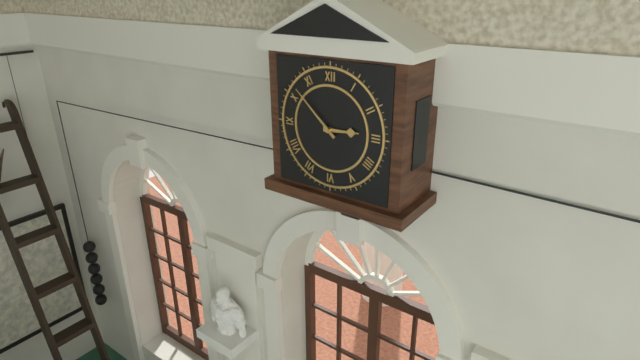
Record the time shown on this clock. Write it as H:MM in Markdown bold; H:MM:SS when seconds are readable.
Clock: **2:52**
